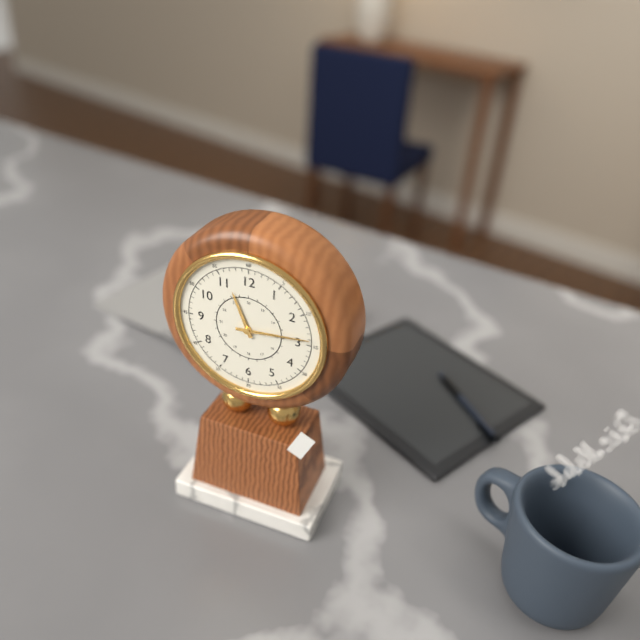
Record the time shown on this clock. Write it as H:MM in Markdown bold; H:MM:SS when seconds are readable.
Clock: **11:14**
